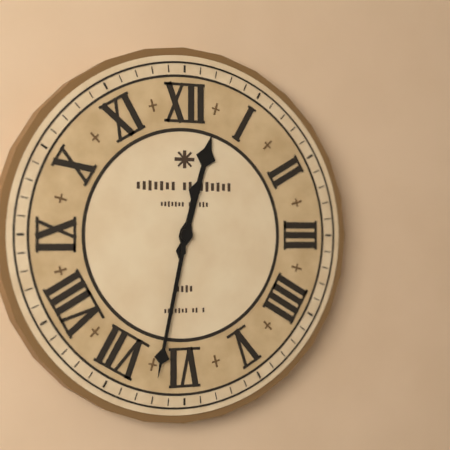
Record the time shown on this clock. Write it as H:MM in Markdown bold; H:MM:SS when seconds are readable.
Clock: **12:32**
